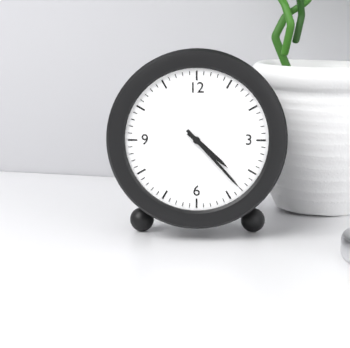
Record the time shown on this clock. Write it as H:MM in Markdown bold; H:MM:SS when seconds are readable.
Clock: **4:23**
